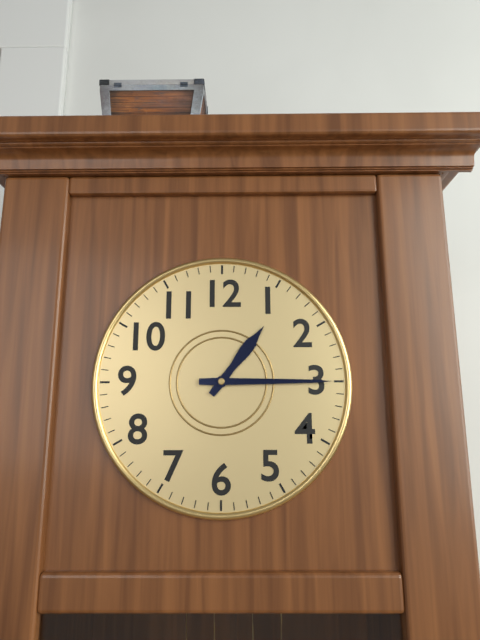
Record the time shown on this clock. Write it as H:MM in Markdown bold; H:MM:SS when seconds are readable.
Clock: **1:15**
